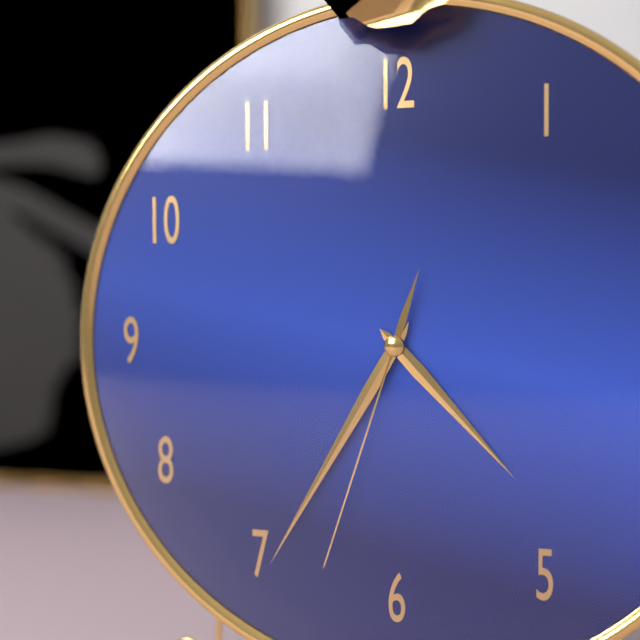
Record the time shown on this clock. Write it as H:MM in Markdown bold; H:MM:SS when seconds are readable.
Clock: **4:35:33**
